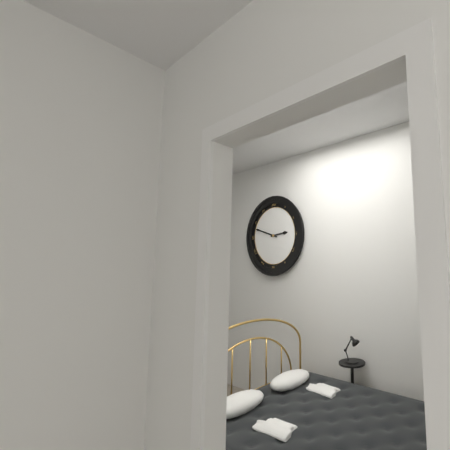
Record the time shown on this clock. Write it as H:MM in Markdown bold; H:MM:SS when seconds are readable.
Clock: **2:48**
